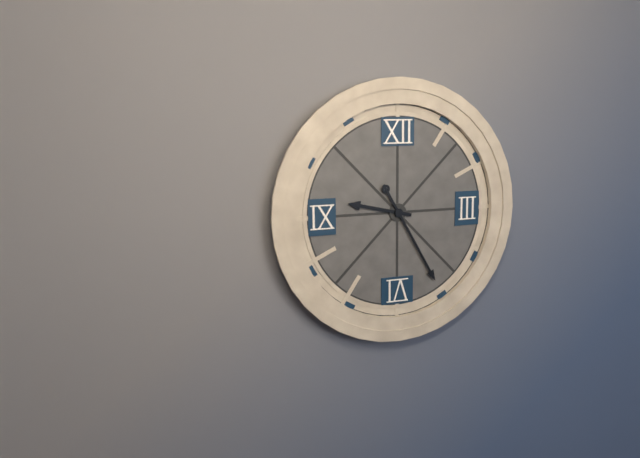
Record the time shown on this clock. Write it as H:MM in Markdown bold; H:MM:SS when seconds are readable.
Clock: **9:25**
